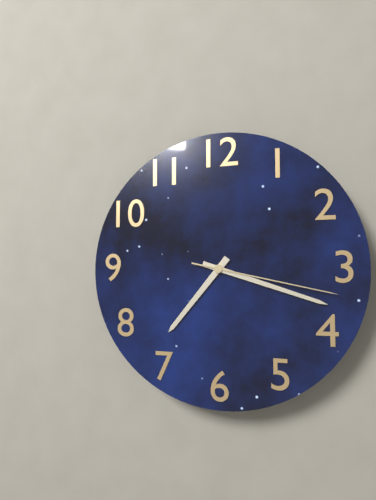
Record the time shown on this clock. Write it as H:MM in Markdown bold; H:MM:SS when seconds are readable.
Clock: **7:18:17**
